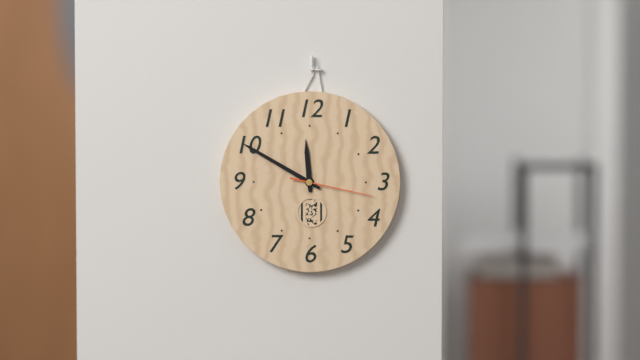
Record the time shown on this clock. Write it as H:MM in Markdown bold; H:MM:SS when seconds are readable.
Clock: **11:50:17**
